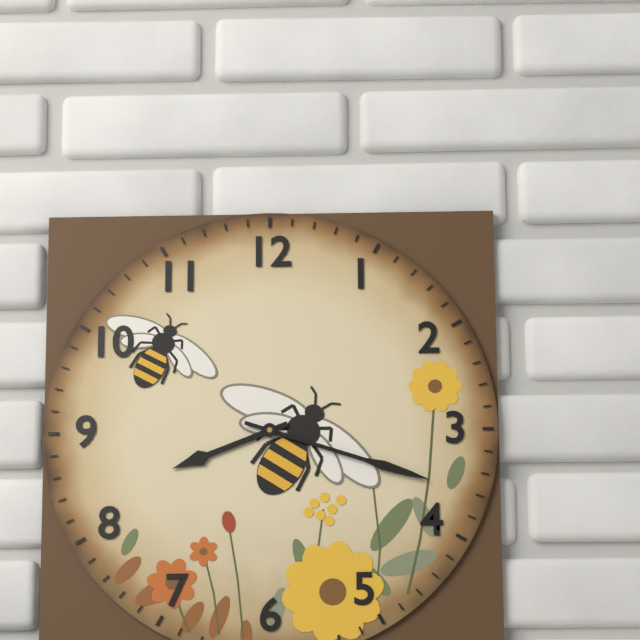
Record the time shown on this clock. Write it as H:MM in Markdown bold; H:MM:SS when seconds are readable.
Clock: **8:18**
